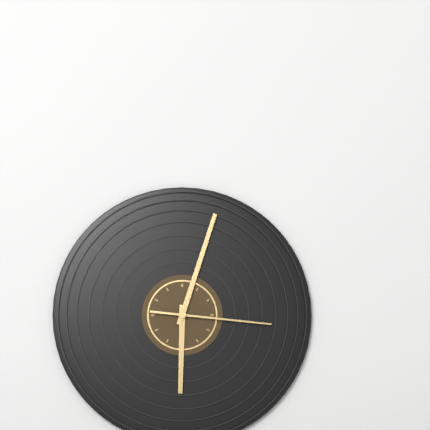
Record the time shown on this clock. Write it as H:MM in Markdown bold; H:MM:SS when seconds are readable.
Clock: **6:03:16**
